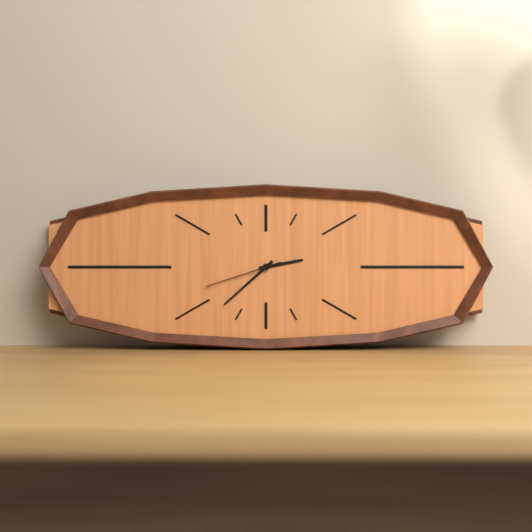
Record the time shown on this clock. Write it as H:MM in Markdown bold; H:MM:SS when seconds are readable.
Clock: **2:38:42**
